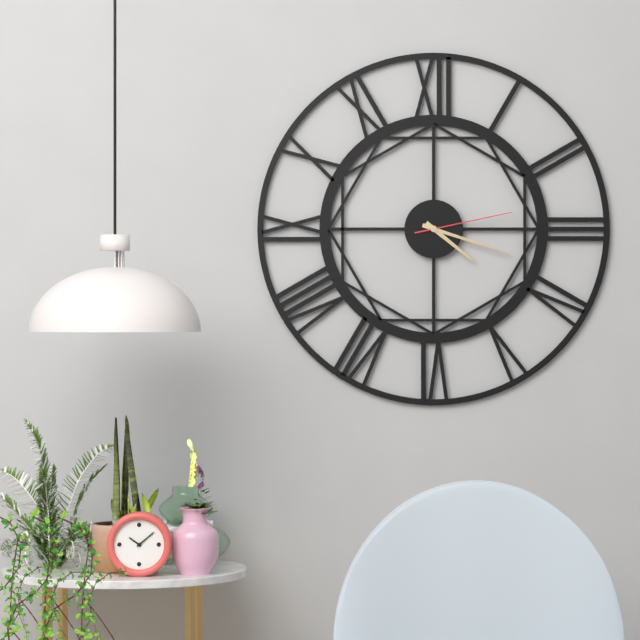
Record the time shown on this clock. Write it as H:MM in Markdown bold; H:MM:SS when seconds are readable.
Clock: **4:18:13**
